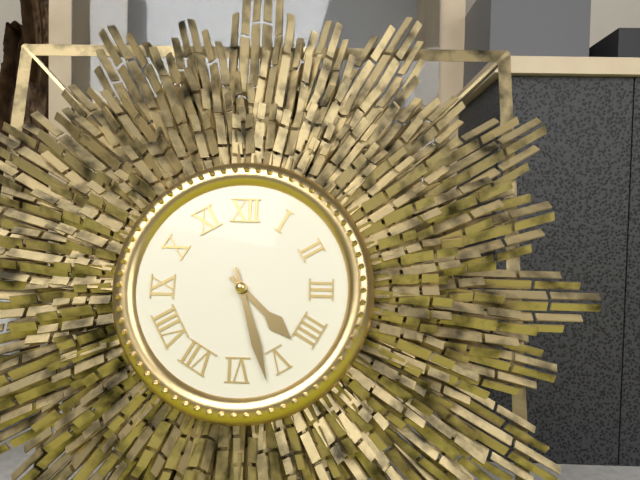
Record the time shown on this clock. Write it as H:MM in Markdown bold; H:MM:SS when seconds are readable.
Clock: **4:27**
